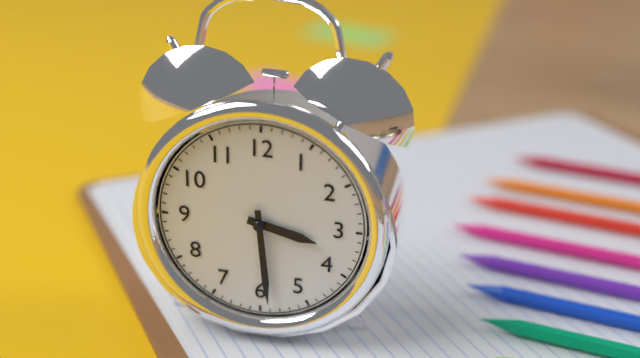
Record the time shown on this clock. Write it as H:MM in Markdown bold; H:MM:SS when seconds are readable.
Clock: **3:29**
